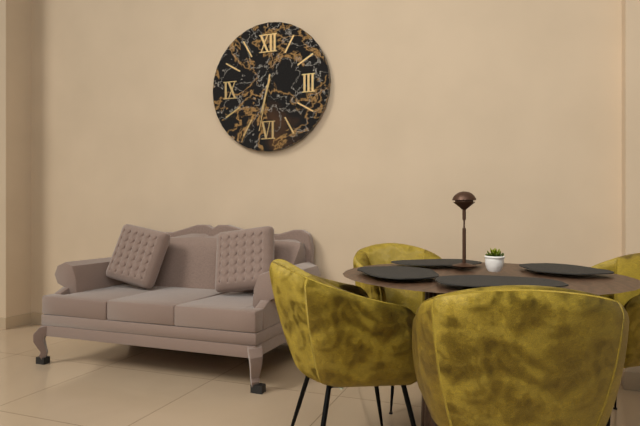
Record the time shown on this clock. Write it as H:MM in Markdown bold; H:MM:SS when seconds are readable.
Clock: **6:32**
